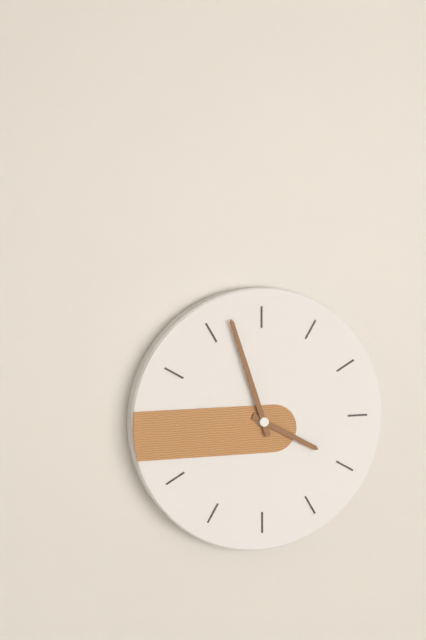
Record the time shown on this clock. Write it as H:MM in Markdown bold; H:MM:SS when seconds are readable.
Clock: **3:57**
